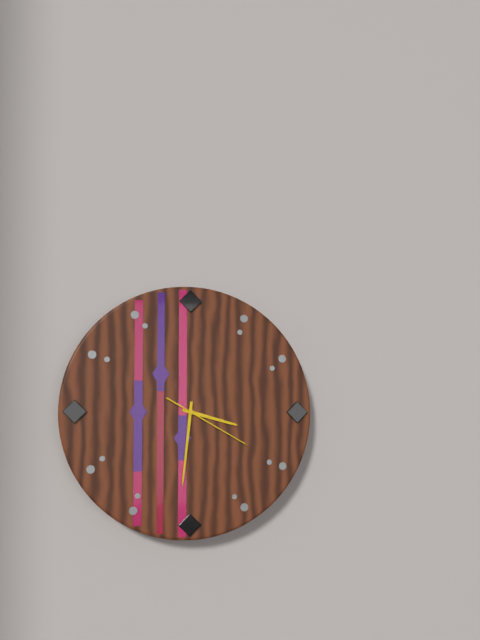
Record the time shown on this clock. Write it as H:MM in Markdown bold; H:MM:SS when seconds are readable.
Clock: **3:31:20**
